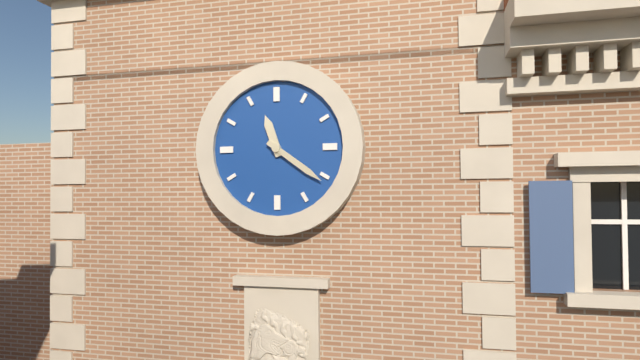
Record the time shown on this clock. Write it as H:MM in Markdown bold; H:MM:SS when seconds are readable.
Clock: **11:21**
